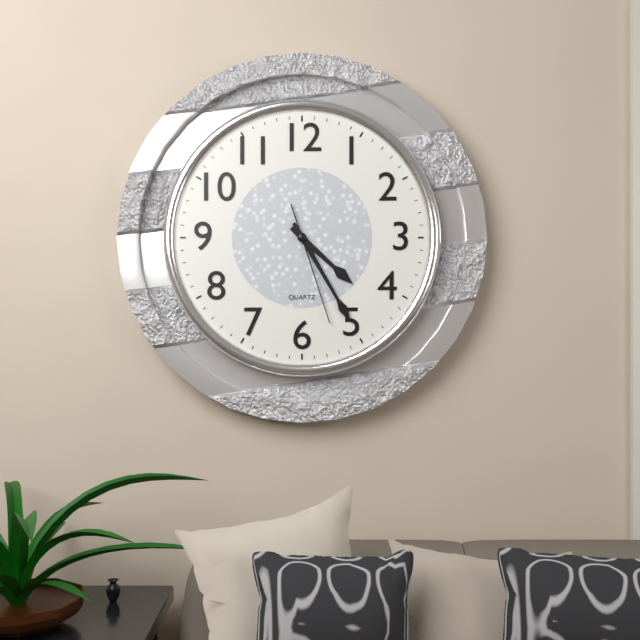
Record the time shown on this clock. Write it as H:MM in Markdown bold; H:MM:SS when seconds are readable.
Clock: **4:25:27**
